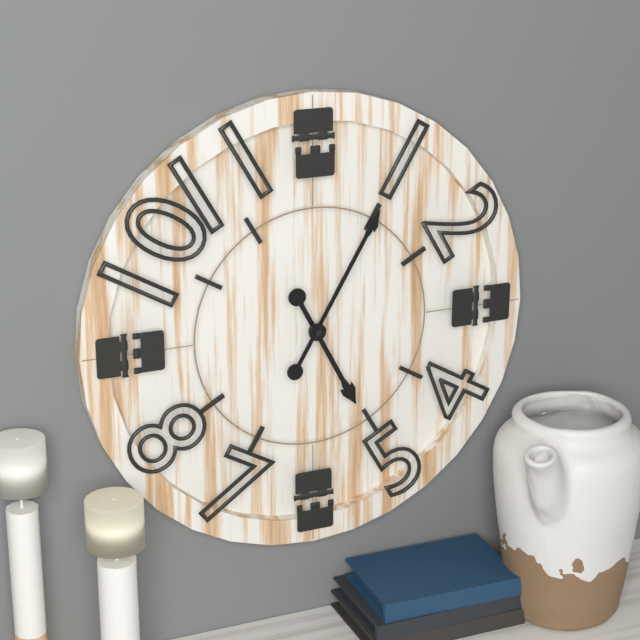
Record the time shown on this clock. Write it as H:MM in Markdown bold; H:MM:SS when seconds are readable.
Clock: **5:05**
